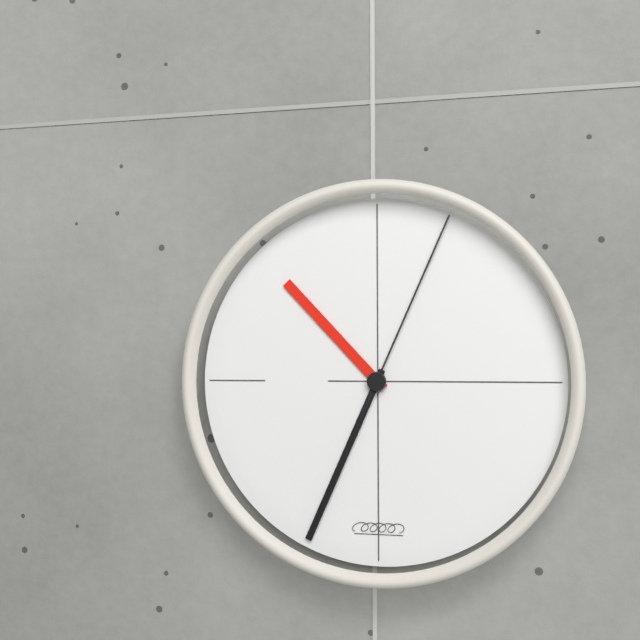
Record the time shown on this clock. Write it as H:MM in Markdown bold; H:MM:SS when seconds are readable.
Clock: **10:34:04**
